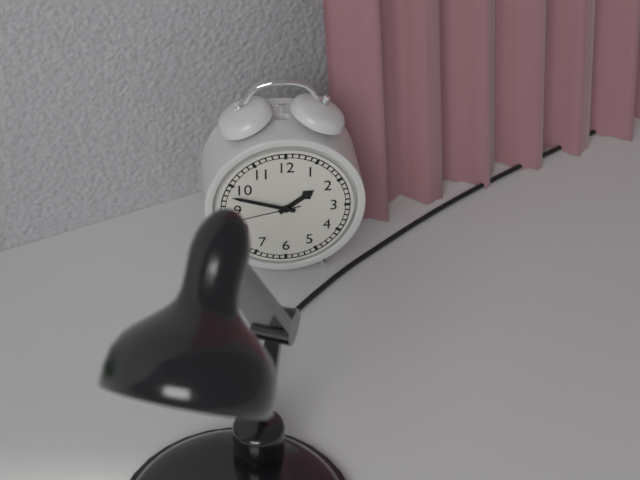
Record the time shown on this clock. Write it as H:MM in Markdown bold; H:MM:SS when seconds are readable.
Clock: **1:48:43**
